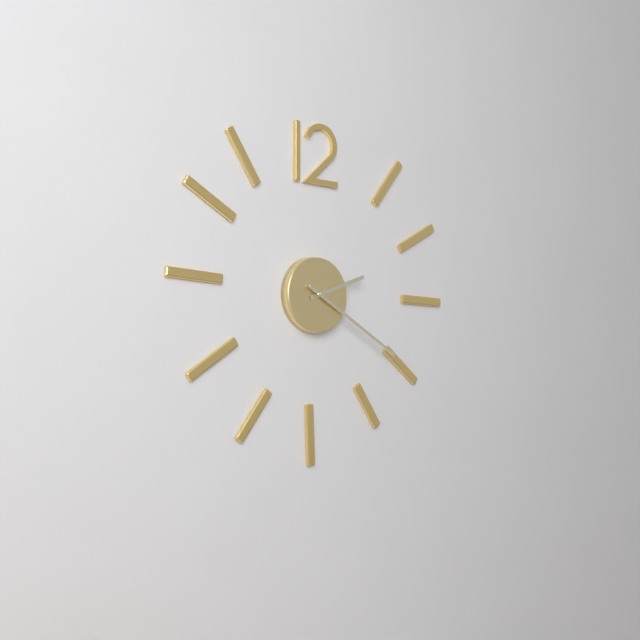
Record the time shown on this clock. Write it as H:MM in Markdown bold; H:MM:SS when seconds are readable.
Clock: **2:20**
